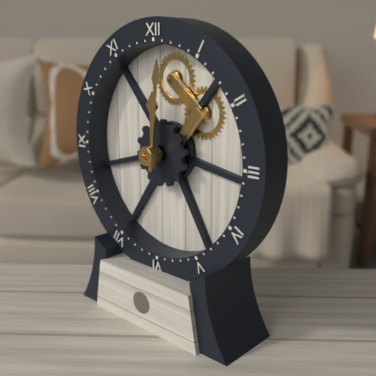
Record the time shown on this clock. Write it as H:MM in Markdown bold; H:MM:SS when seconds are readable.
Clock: **12:01**
